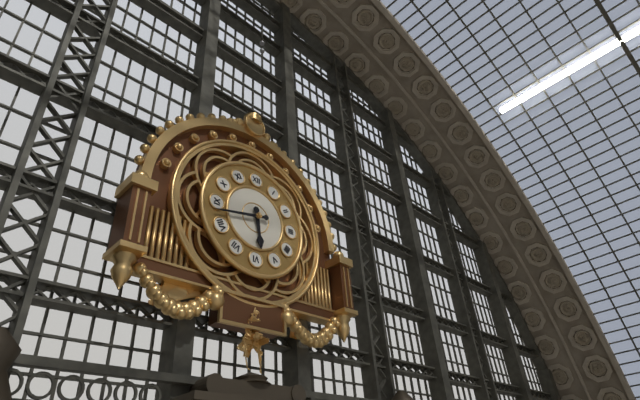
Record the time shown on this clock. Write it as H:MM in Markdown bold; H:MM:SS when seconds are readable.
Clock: **5:43**
